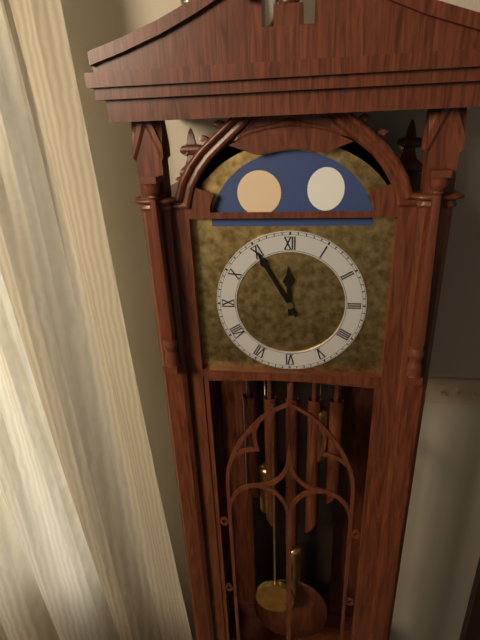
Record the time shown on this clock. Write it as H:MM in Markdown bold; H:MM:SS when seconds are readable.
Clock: **11:55**
